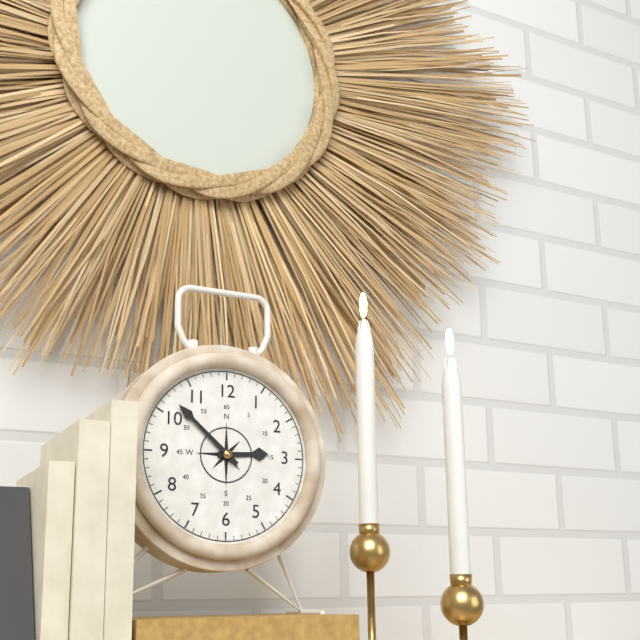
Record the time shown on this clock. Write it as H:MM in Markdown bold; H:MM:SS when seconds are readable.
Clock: **2:52**
